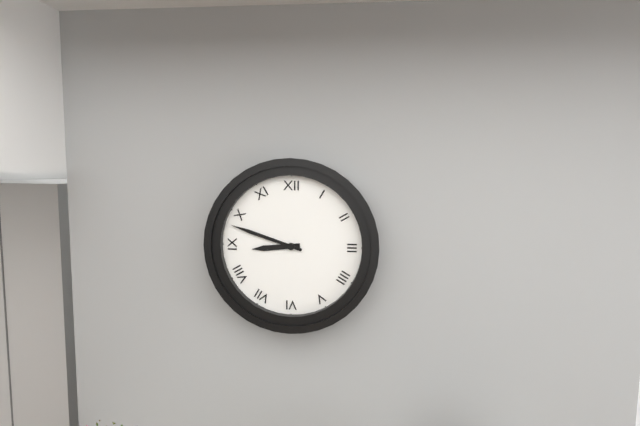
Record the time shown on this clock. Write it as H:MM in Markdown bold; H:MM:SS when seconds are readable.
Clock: **8:48**
